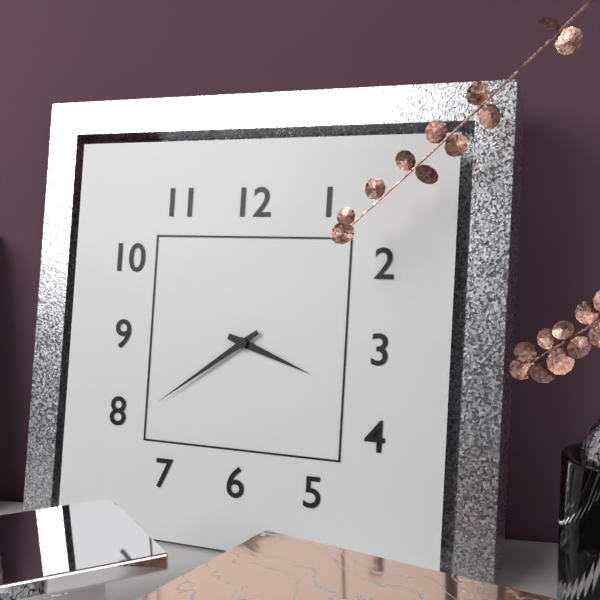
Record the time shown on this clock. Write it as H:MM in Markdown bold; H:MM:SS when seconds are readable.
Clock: **3:39**
